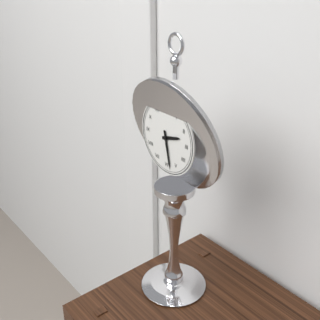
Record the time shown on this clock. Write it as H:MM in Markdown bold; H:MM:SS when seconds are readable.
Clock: **2:28**
